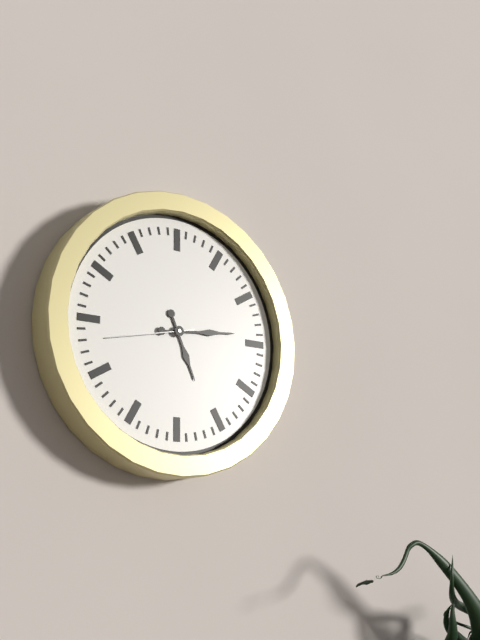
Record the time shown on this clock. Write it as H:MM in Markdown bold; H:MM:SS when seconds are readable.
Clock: **5:14:43**
